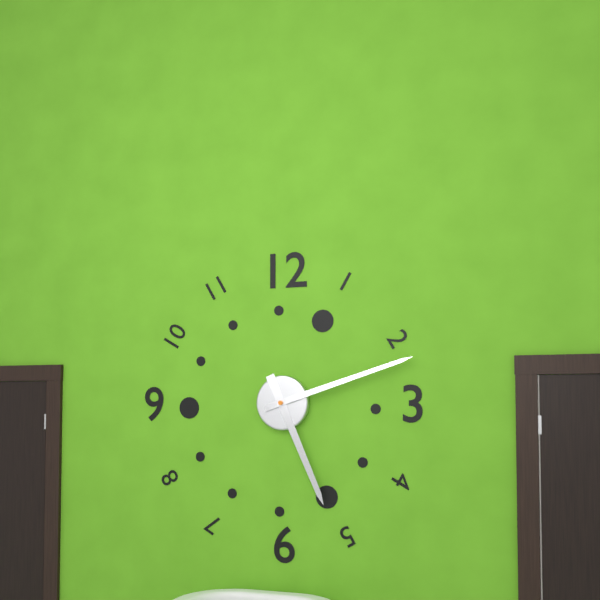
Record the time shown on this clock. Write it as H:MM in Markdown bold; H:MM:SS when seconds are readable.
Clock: **5:12**
